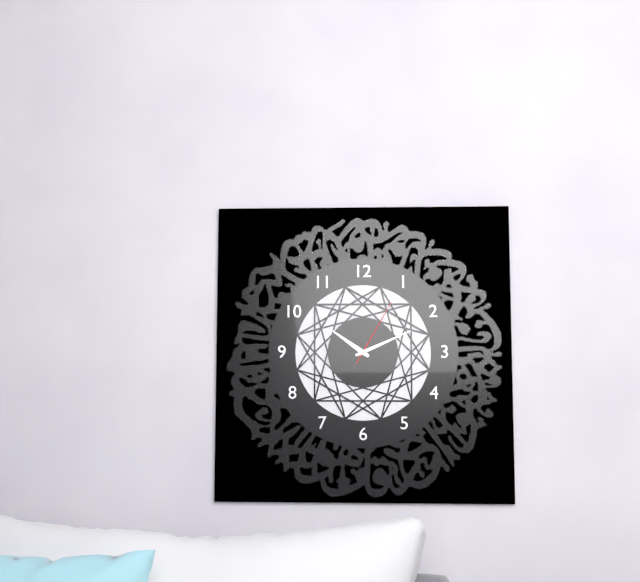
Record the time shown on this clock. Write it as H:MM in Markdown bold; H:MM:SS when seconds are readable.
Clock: **10:11:05**
